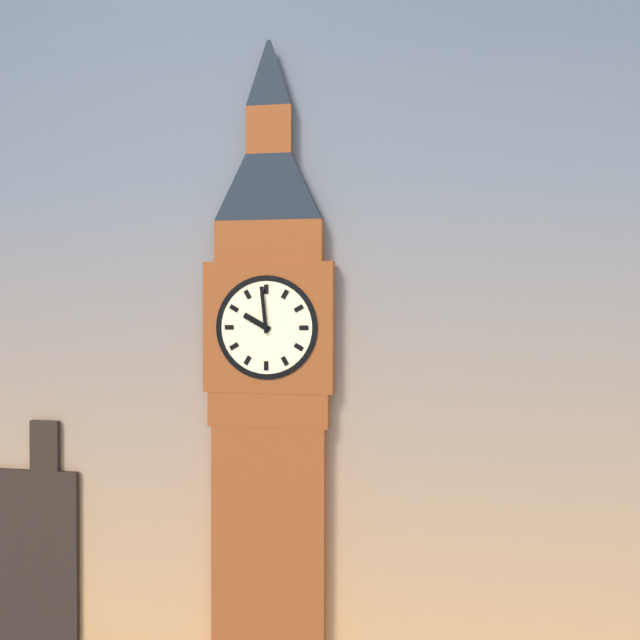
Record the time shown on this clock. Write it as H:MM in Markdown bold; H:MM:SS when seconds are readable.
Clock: **9:59**
